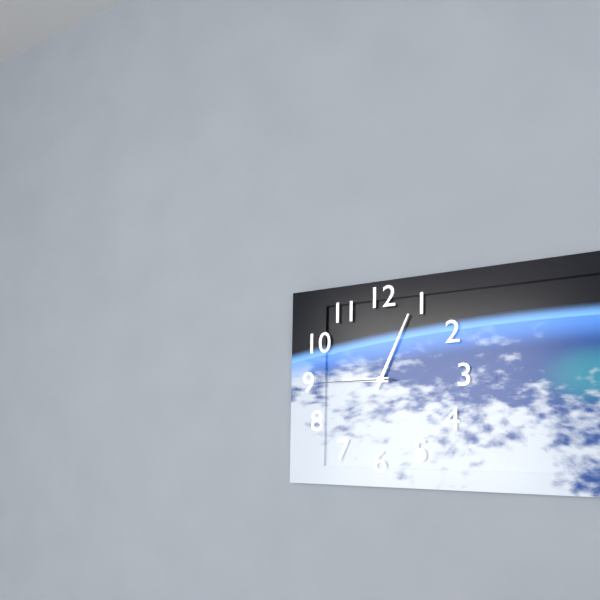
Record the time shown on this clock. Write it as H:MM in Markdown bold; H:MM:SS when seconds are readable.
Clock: **9:04:45**
